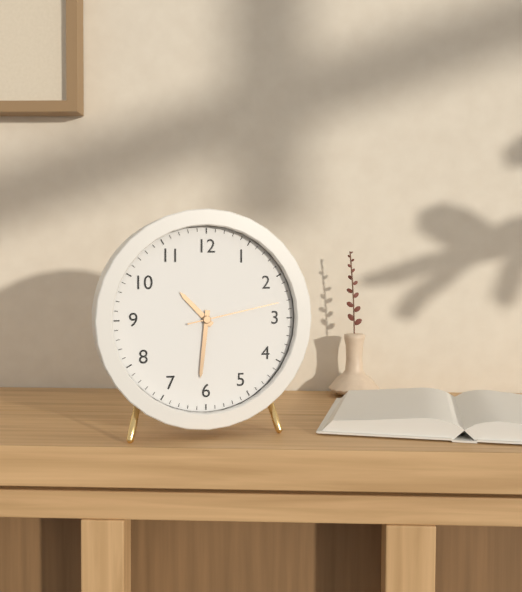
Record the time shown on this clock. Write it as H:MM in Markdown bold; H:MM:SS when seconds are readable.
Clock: **10:31:13**
